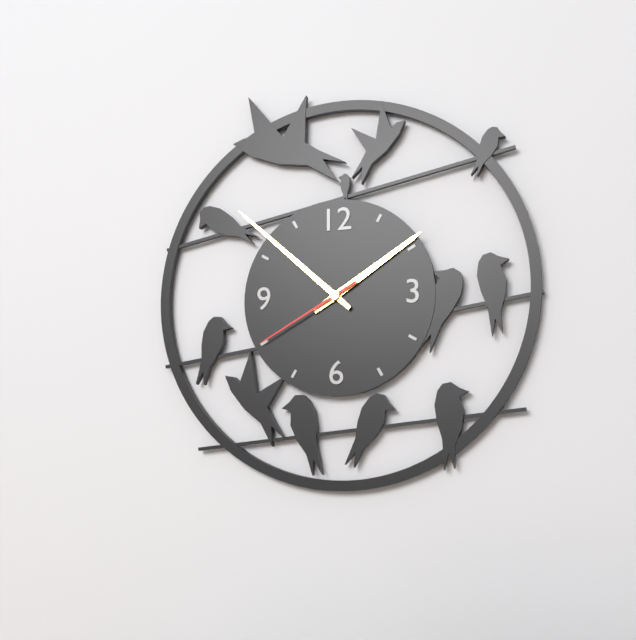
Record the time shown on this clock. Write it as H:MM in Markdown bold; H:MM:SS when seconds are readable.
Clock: **1:52:40**
